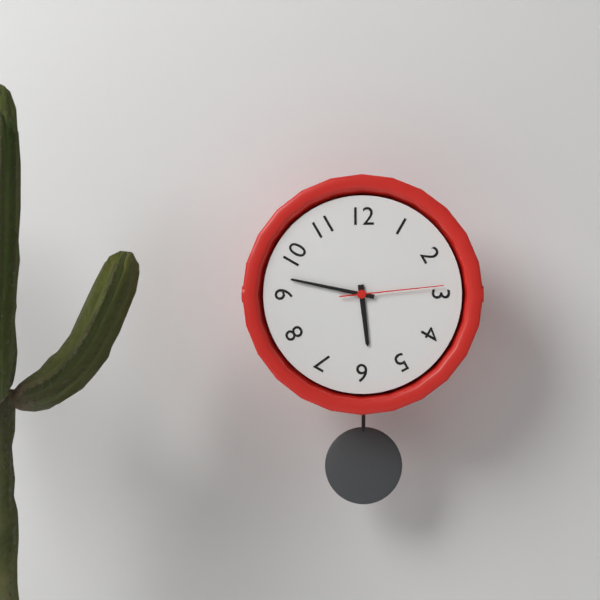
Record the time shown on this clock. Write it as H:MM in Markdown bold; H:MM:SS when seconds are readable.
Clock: **5:47:14**
